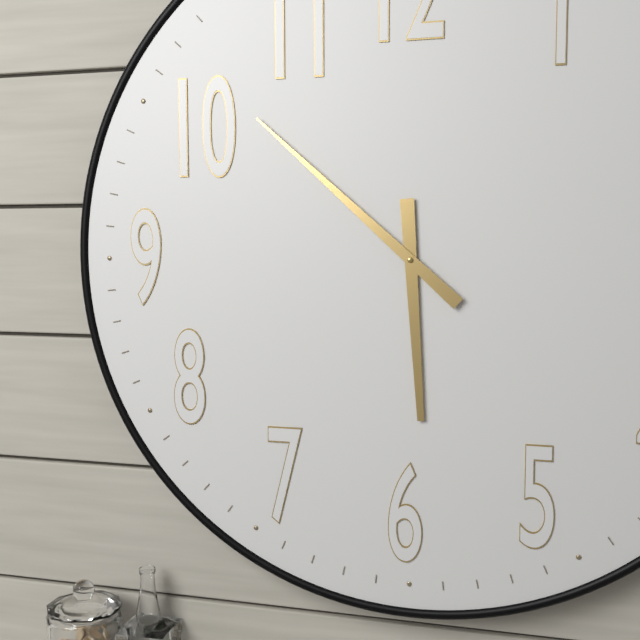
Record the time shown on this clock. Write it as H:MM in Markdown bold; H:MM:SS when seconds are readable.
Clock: **5:52**
